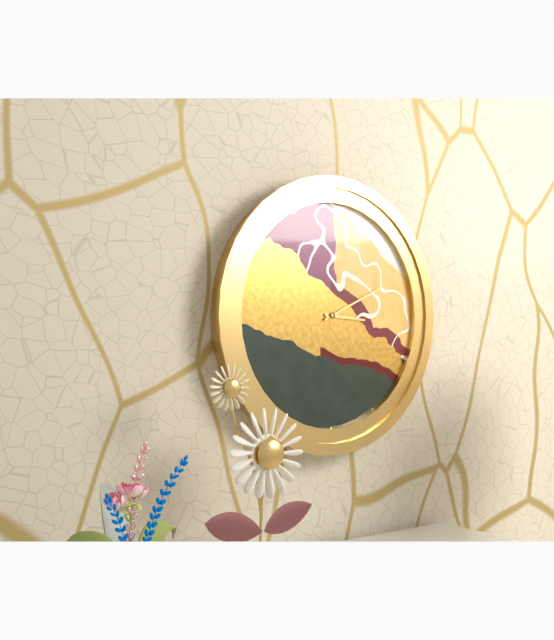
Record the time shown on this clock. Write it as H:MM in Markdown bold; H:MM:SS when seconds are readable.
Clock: **3:11**
